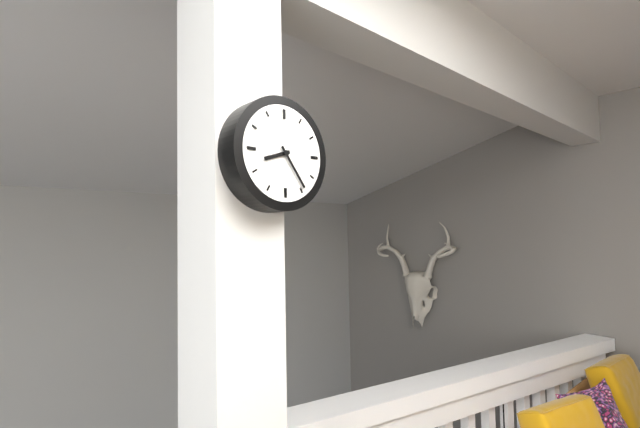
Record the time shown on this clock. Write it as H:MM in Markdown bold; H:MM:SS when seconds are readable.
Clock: **8:24**
